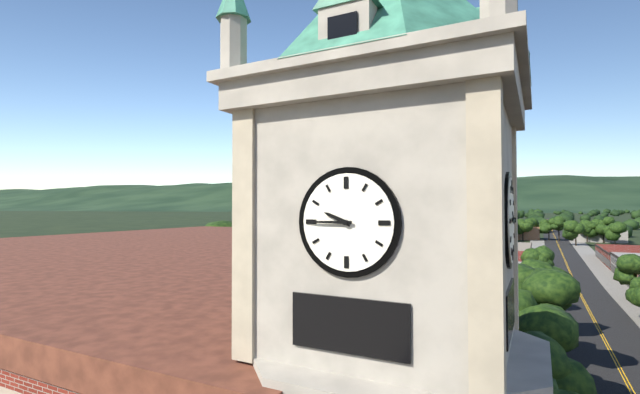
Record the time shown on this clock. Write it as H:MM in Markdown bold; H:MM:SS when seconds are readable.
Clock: **9:45**
